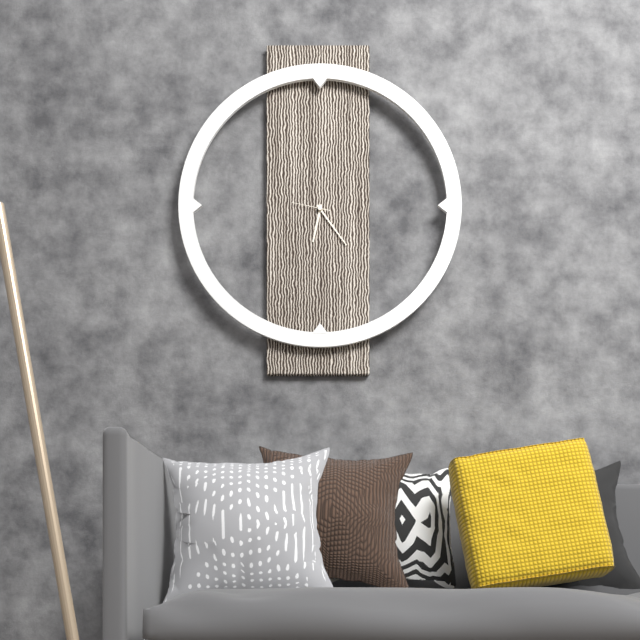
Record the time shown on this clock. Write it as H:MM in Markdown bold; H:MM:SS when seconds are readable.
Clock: **6:24**
